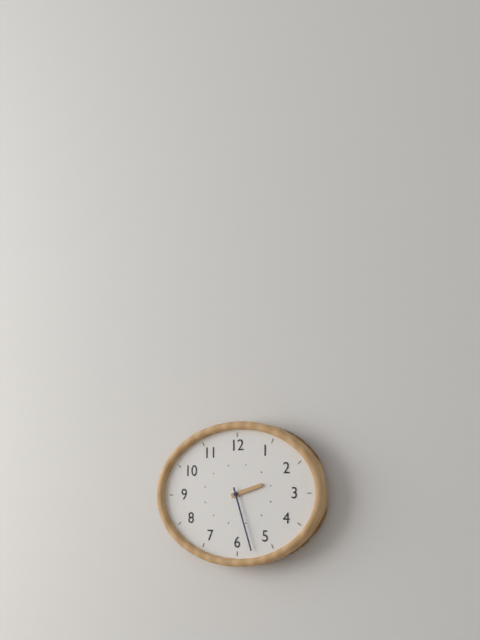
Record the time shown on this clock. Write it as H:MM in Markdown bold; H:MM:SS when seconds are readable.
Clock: **2:27**
